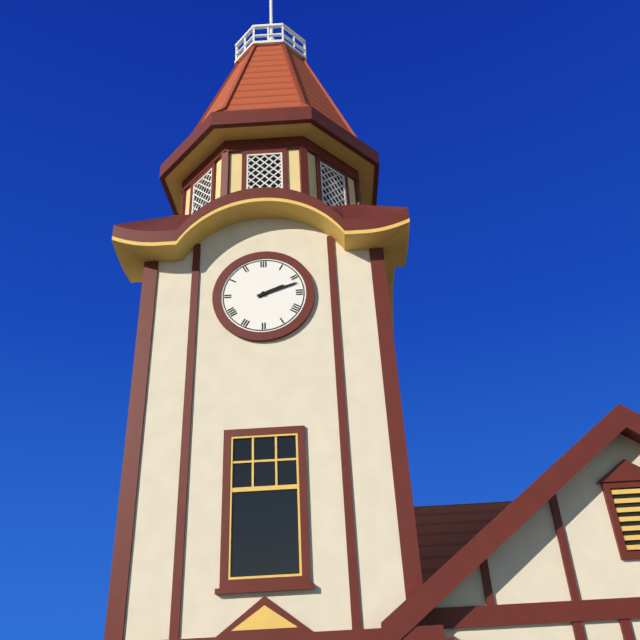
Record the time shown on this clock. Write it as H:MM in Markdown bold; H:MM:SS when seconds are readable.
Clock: **2:12**
